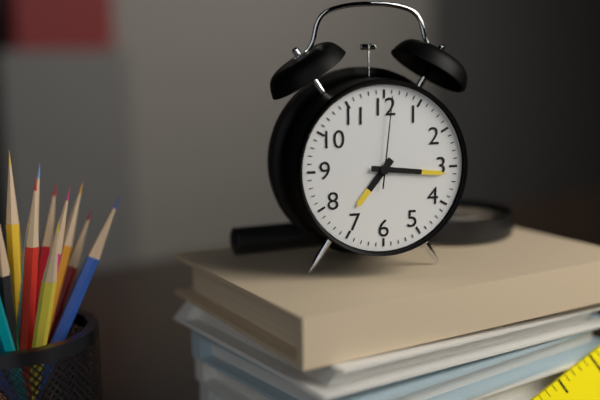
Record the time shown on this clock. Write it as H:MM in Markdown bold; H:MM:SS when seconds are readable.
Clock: **7:16:01**
